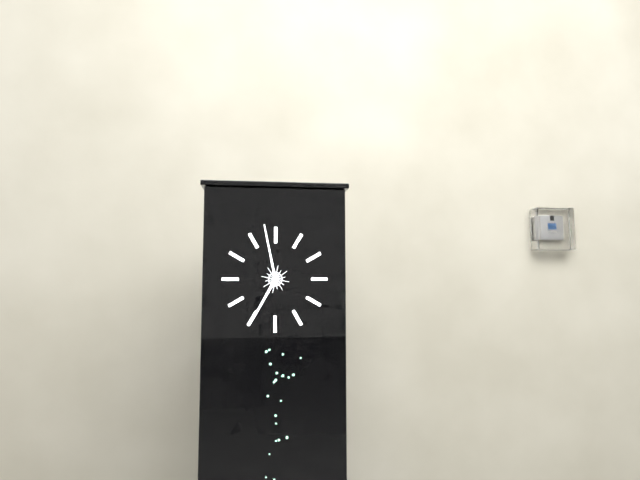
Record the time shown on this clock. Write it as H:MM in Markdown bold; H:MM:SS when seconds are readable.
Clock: **6:58**
